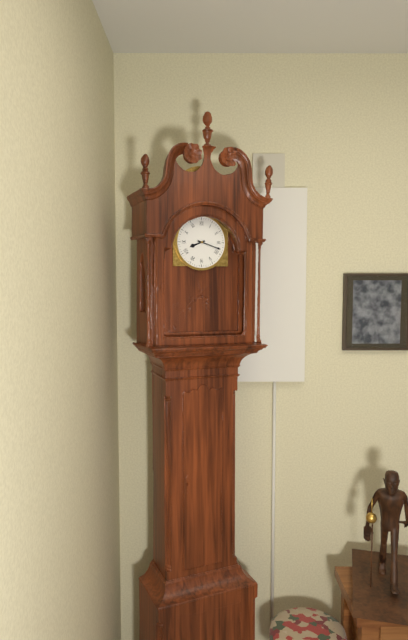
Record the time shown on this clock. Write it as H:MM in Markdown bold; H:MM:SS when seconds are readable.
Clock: **8:18**
